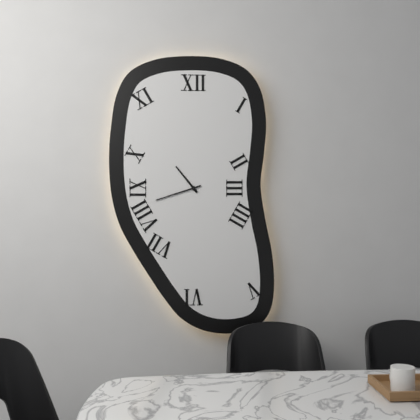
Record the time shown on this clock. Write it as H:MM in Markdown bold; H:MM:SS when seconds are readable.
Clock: **10:42**
